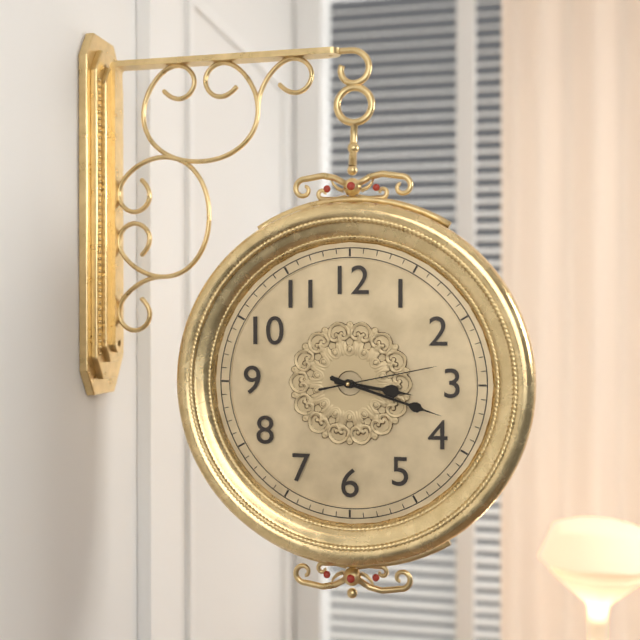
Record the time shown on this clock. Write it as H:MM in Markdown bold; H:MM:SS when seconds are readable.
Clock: **3:18:13**
